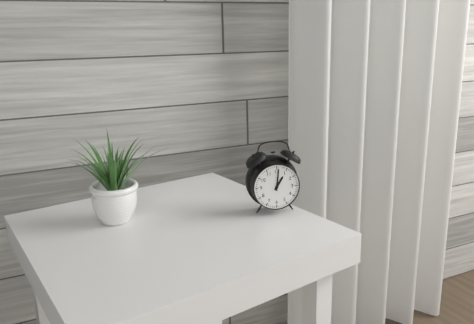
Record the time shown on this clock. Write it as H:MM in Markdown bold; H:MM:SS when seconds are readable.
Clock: **1:01**
